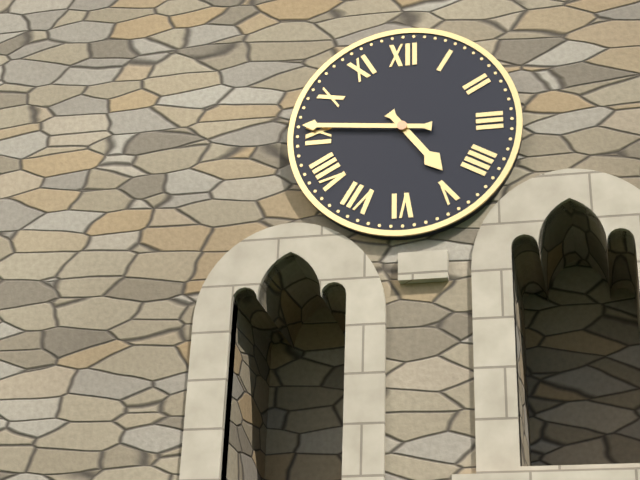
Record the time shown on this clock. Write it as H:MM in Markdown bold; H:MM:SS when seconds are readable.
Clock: **4:46**
